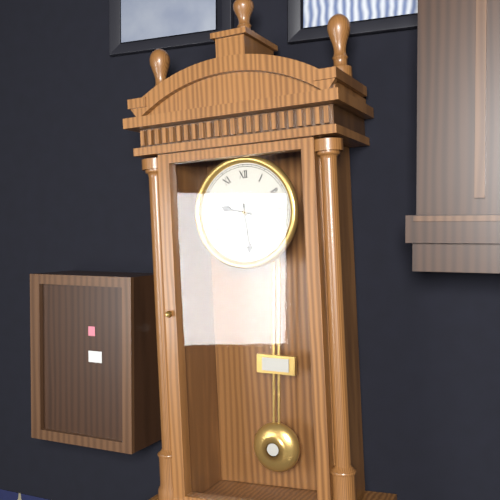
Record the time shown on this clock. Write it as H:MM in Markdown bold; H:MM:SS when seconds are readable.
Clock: **9:29**
